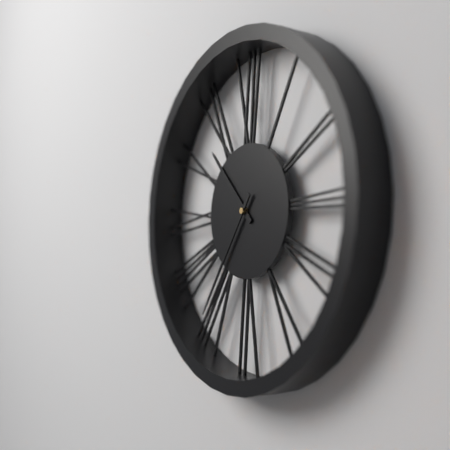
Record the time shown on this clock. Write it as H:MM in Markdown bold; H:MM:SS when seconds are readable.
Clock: **10:36**
